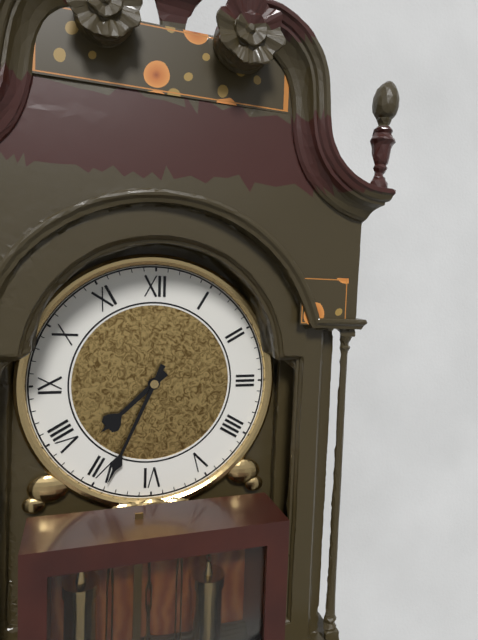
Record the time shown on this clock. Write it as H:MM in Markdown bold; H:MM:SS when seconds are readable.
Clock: **7:34**
